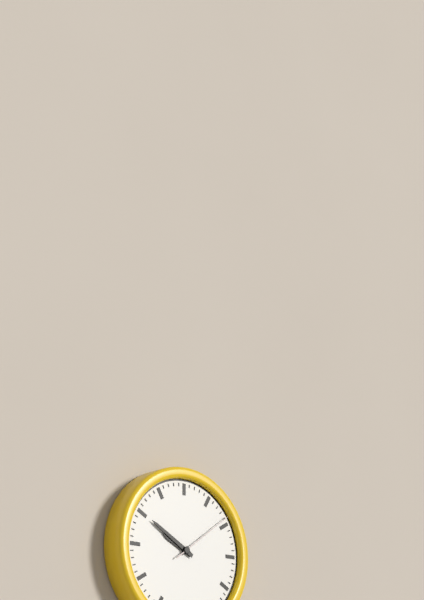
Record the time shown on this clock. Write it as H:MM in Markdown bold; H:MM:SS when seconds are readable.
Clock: **9:50:09**
